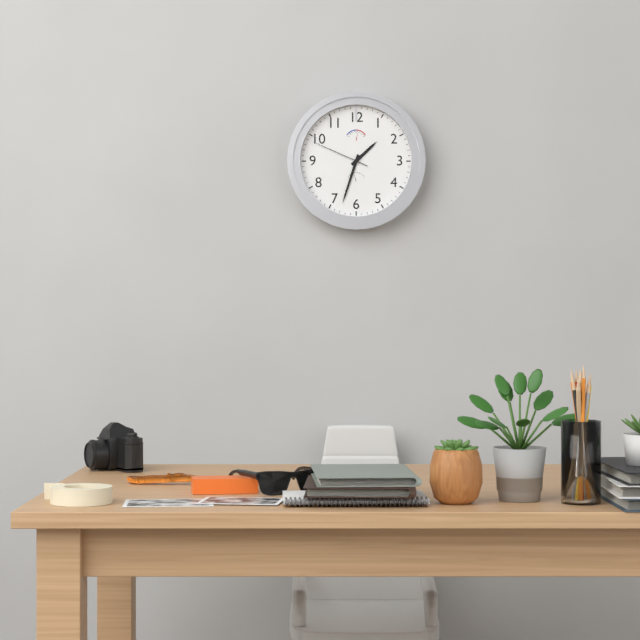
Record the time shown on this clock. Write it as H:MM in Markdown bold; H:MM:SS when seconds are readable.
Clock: **1:33:49**
